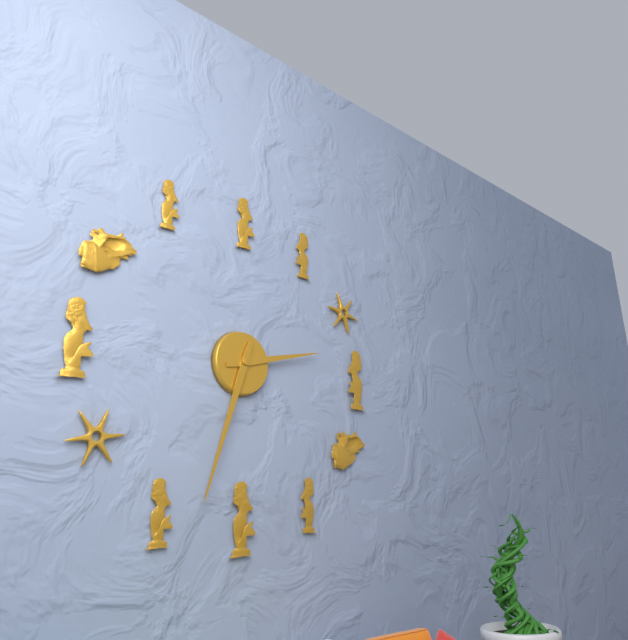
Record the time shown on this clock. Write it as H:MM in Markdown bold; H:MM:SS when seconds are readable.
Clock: **2:33**
